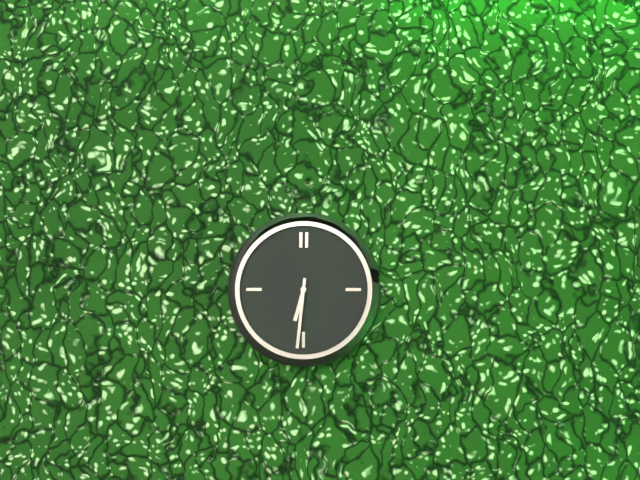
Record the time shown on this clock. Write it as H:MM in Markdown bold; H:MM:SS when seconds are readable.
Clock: **6:31**
